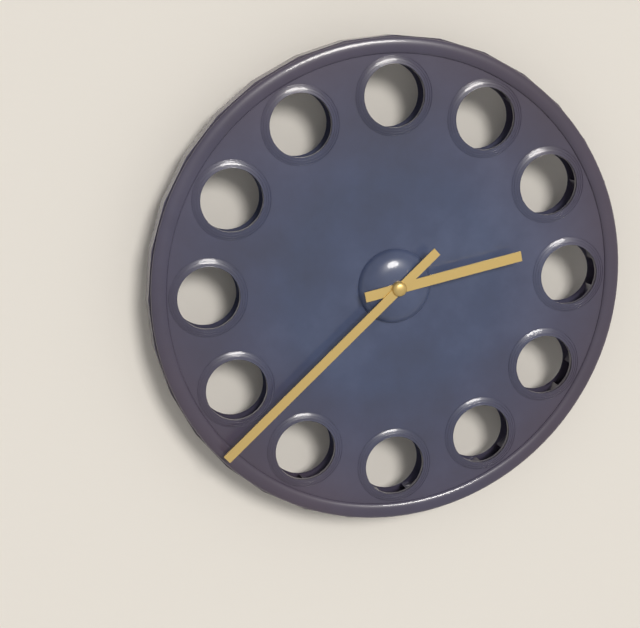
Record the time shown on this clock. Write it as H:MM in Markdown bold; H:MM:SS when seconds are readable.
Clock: **2:38**
